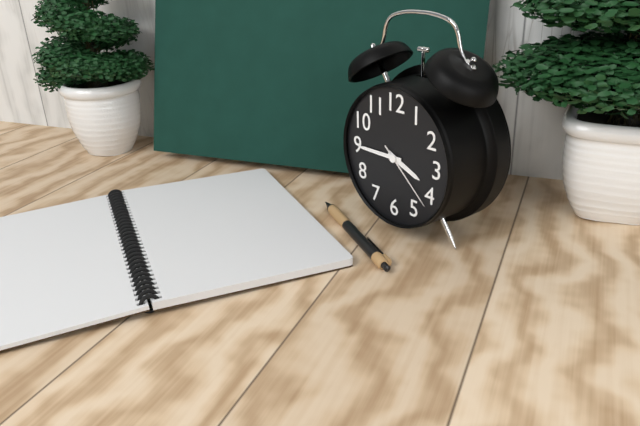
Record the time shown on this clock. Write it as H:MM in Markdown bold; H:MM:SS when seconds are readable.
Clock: **3:45:22**
